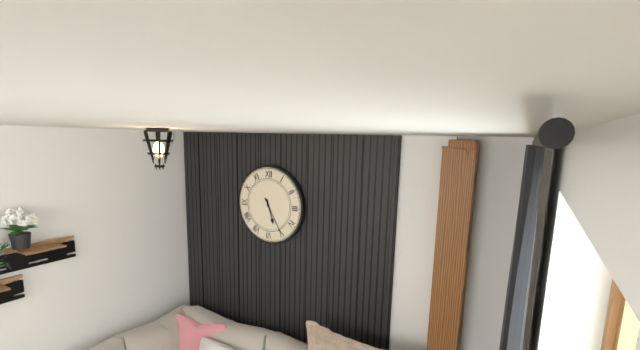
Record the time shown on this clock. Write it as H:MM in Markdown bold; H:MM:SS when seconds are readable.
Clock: **5:25**
